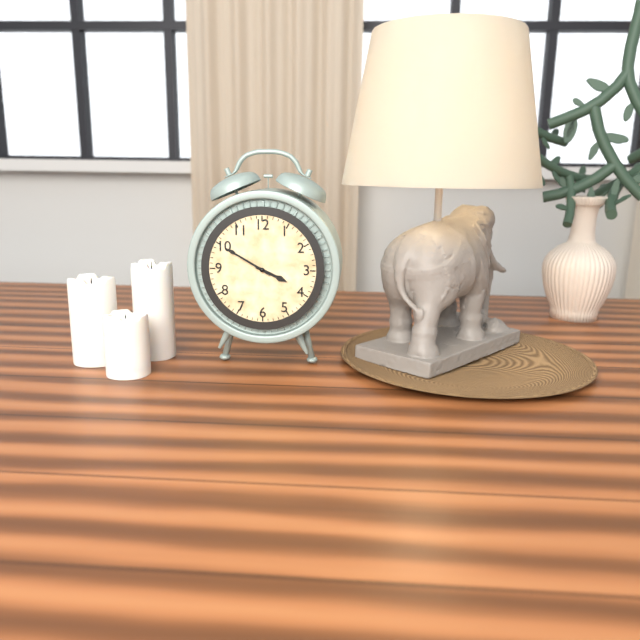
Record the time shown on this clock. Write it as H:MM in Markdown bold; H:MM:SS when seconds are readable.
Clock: **3:50**
